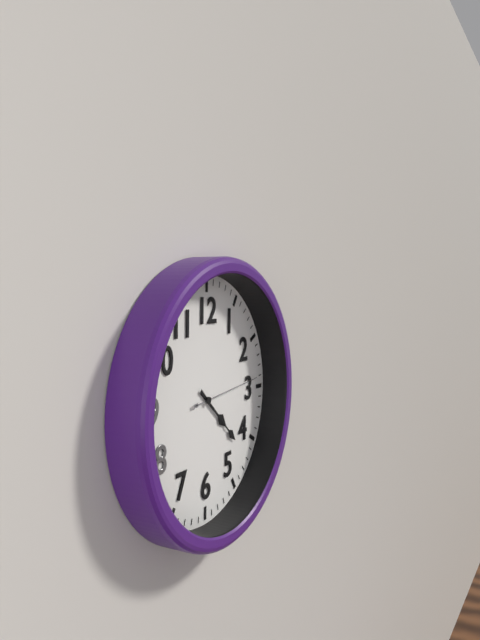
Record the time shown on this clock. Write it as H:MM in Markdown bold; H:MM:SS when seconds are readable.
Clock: **4:22:14**
